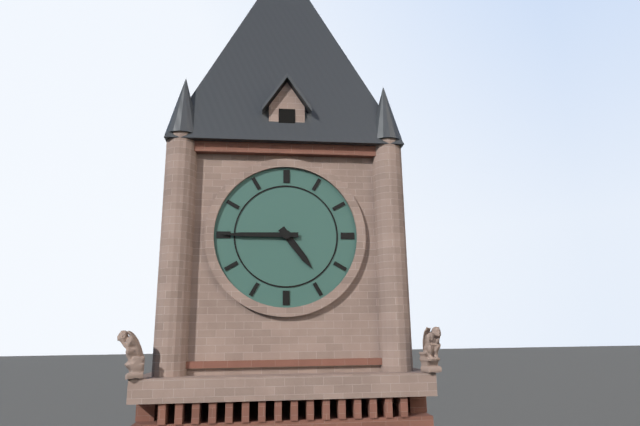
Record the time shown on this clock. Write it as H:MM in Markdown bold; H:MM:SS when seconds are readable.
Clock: **4:45**
